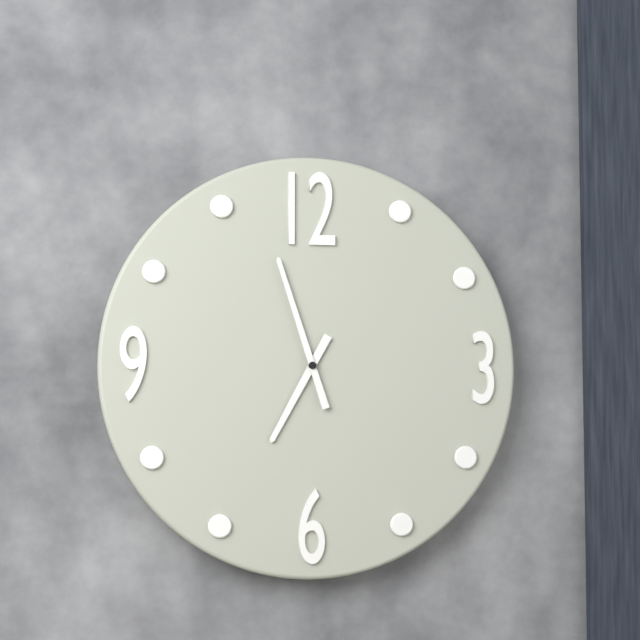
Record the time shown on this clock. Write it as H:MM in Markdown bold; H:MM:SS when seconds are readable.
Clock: **6:57**
